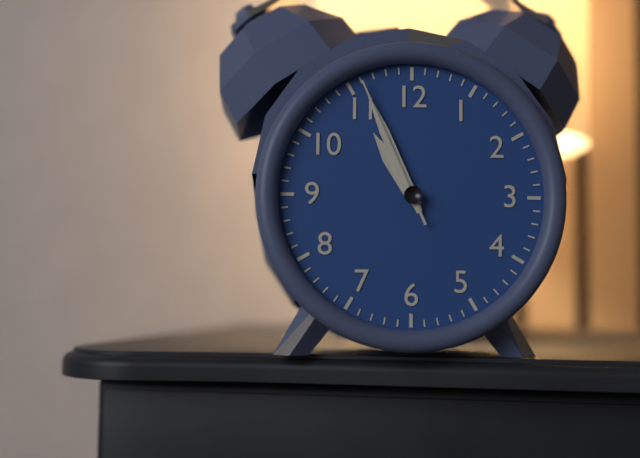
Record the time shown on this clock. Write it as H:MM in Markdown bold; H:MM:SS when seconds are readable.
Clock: **10:56:56**
